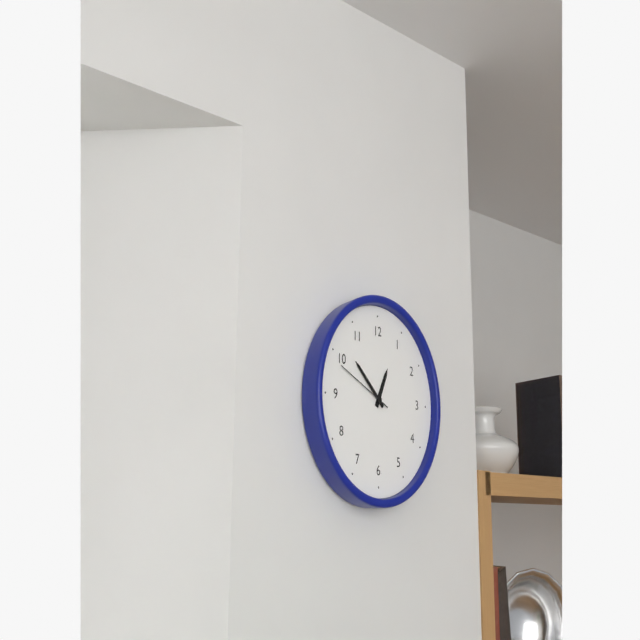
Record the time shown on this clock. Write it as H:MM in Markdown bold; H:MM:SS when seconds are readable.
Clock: **12:52:49**
